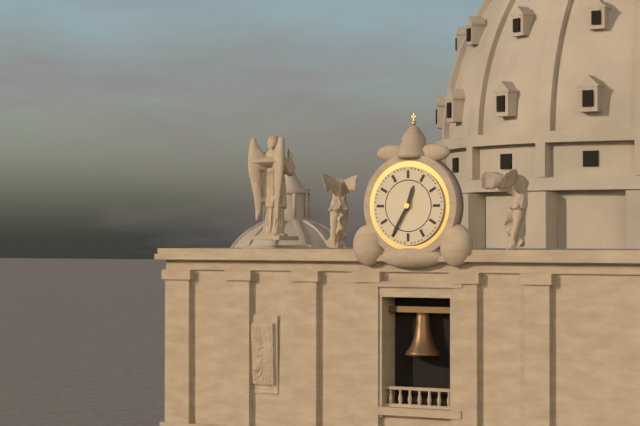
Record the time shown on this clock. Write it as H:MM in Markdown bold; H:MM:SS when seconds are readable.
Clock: **12:35**
